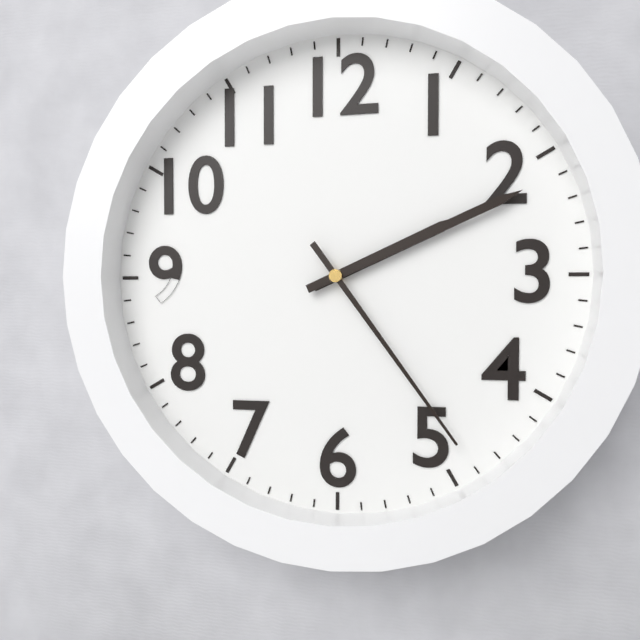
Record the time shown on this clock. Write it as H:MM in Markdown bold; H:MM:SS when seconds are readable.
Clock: **2:11:24**
